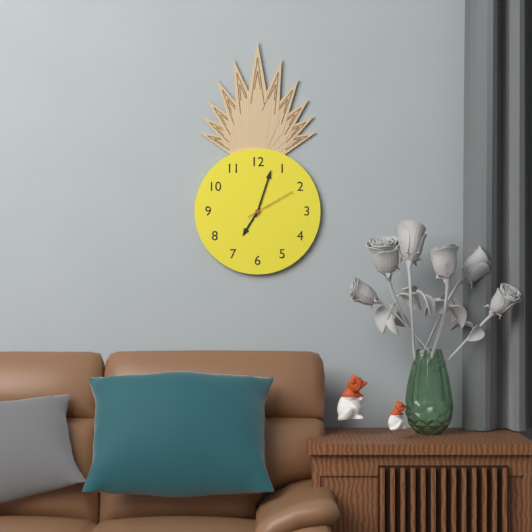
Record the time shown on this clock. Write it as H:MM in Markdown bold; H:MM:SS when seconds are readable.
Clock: **7:03:10**
